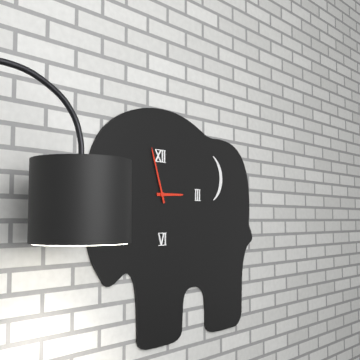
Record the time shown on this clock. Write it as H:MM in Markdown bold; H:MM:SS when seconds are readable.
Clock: **2:57**
